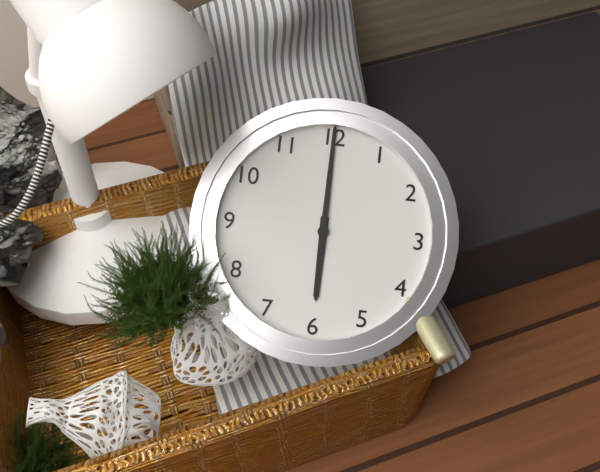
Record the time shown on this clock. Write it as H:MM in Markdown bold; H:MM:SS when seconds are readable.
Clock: **6:00**
